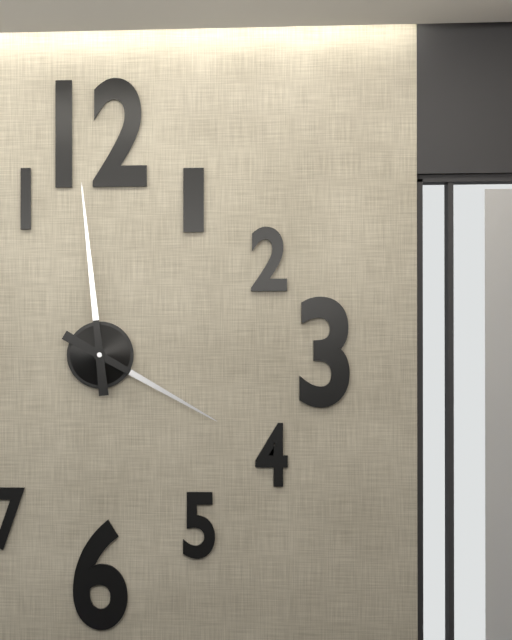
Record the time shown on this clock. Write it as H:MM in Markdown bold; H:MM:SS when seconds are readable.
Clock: **3:59**
